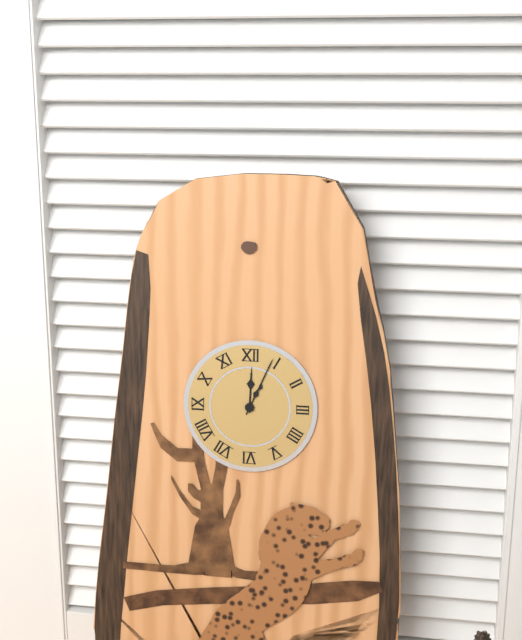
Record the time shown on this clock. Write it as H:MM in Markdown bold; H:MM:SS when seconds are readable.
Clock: **12:04**
